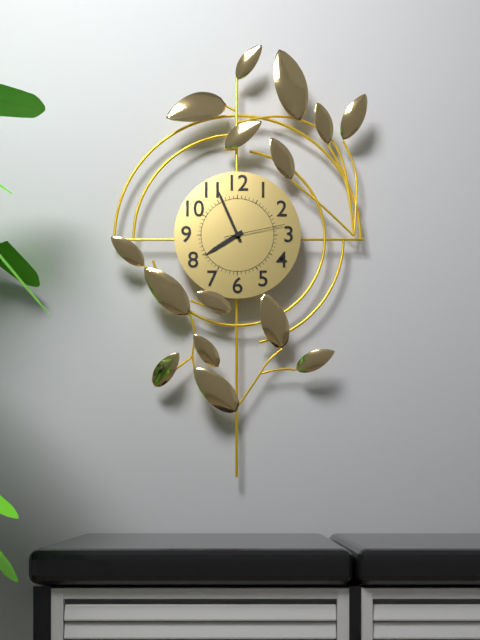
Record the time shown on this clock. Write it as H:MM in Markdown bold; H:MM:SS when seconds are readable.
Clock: **7:56:13**
